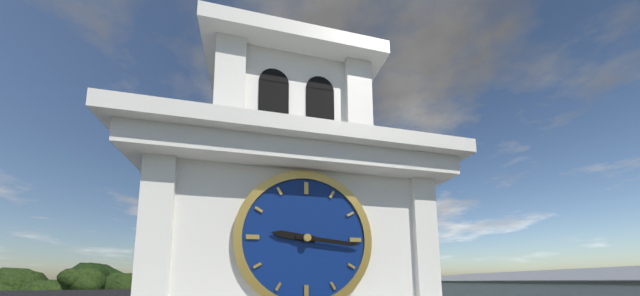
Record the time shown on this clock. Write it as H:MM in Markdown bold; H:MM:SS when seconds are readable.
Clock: **9:16**
